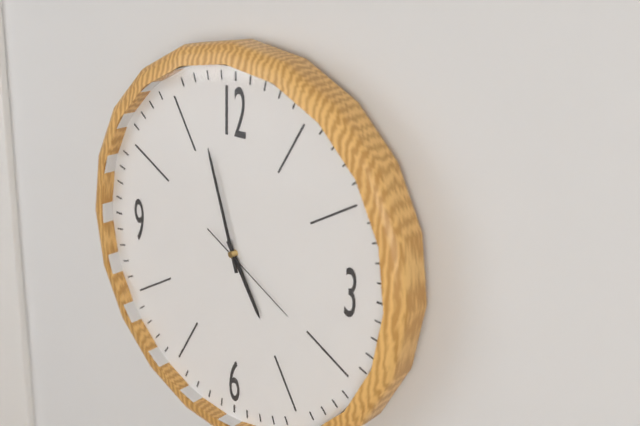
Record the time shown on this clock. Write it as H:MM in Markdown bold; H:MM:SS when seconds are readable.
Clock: **4:57:20**
